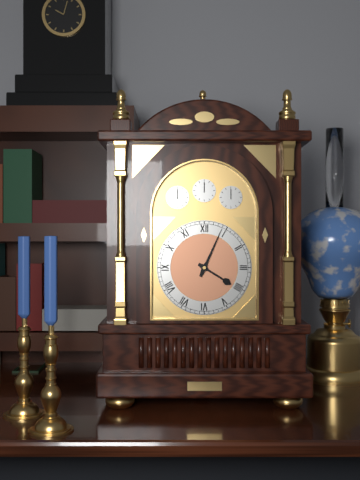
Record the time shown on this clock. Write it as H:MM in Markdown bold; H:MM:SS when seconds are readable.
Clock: **4:04**
